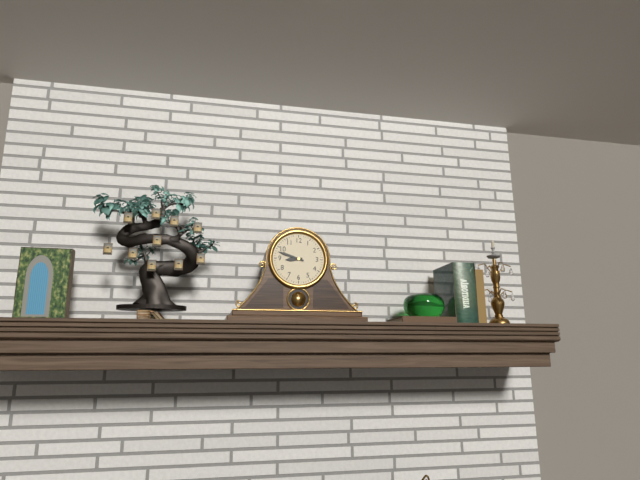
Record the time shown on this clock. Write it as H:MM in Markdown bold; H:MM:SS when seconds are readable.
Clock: **8:48**
